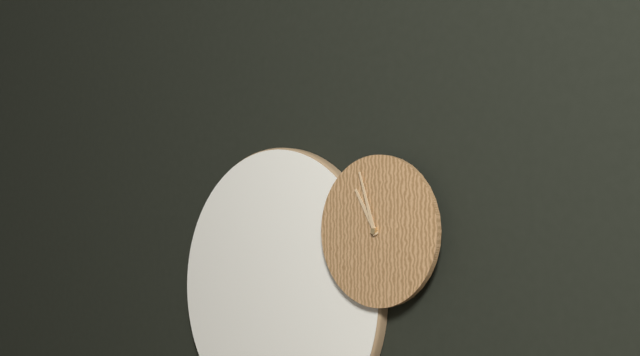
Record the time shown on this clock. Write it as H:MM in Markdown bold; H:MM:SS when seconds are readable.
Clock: **10:57**
